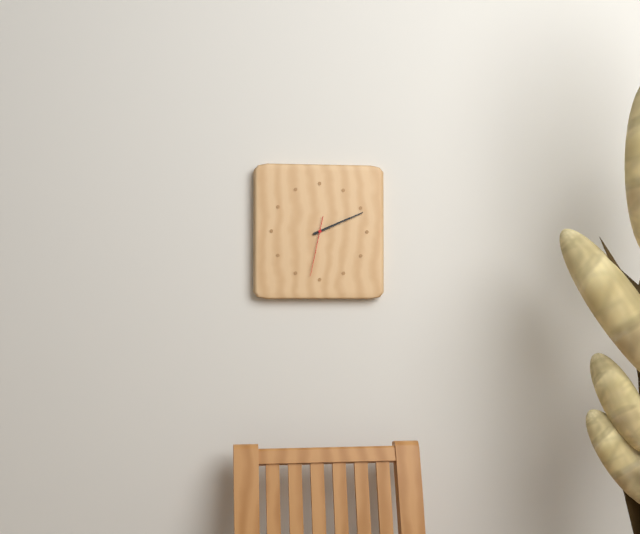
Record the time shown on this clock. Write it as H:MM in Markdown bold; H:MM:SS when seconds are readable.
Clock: **2:11:32**
